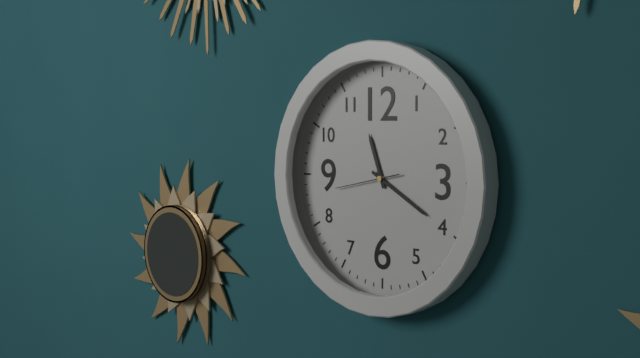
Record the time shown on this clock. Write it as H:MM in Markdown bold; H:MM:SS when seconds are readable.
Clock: **11:20:43**
